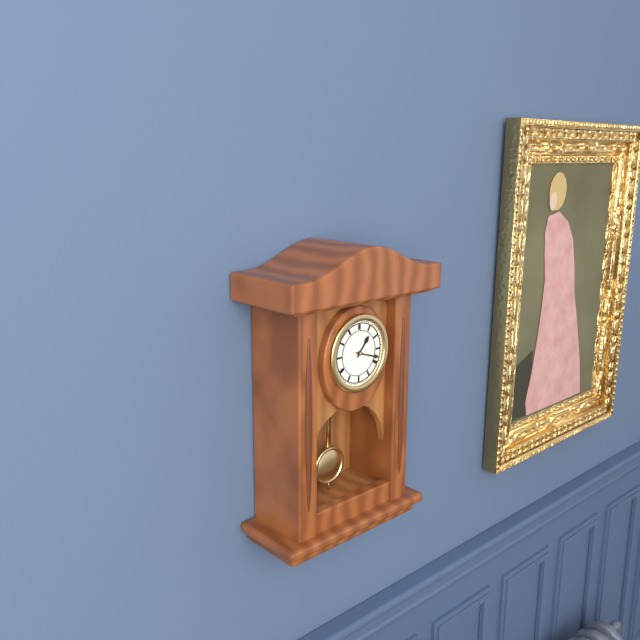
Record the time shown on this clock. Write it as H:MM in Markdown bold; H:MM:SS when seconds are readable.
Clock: **1:18**
